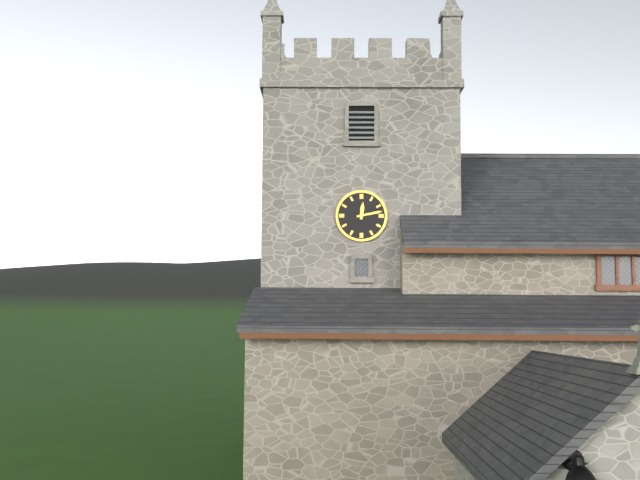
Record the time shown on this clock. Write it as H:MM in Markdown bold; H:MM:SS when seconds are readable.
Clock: **12:13**
